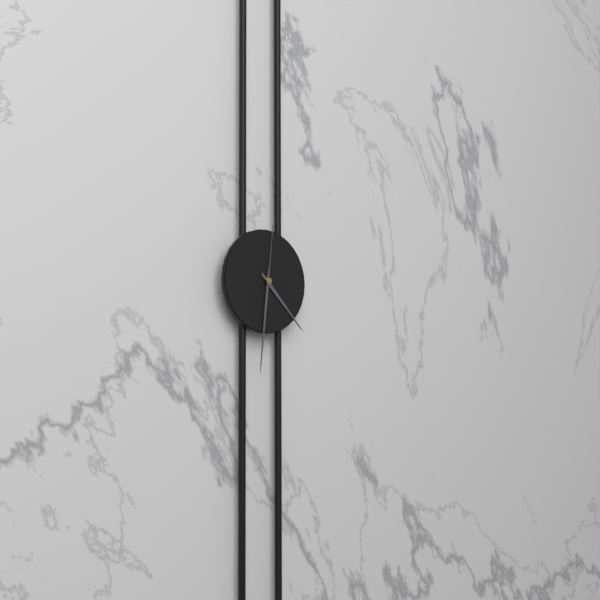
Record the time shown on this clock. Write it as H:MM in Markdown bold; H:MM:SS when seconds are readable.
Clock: **4:31:01**
